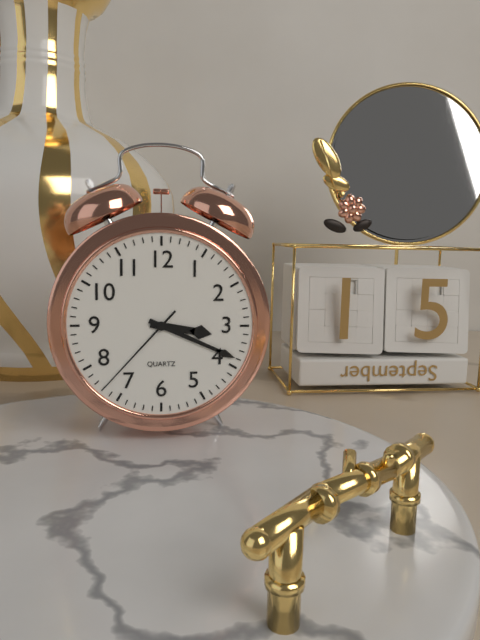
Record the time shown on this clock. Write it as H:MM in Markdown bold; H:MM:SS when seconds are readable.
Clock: **3:19:37**
